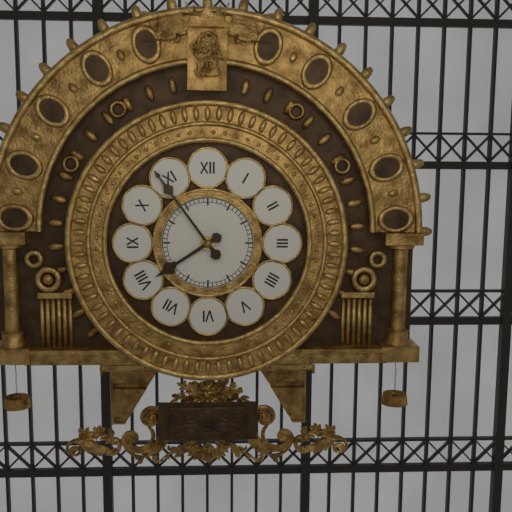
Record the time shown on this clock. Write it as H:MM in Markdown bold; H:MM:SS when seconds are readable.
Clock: **7:54**
